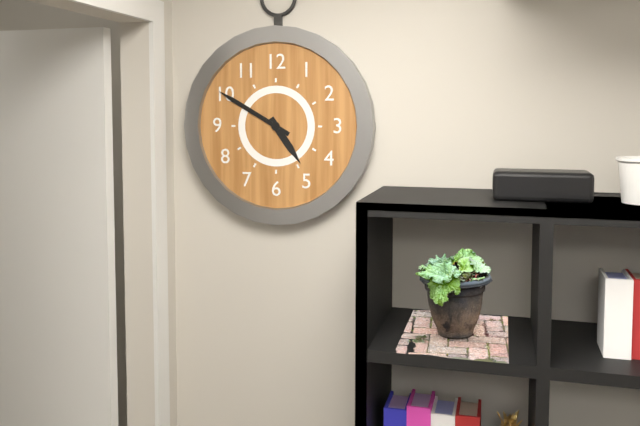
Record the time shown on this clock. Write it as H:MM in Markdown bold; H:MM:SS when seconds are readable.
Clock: **4:50**
